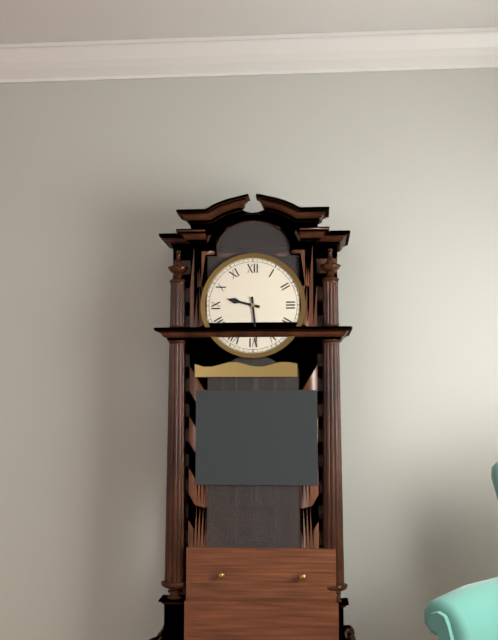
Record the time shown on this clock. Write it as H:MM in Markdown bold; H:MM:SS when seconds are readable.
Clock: **9:29**
